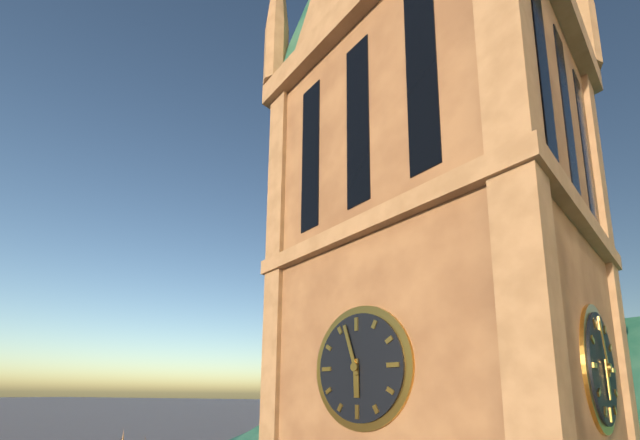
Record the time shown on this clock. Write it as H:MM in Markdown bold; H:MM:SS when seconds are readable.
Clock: **5:57**
